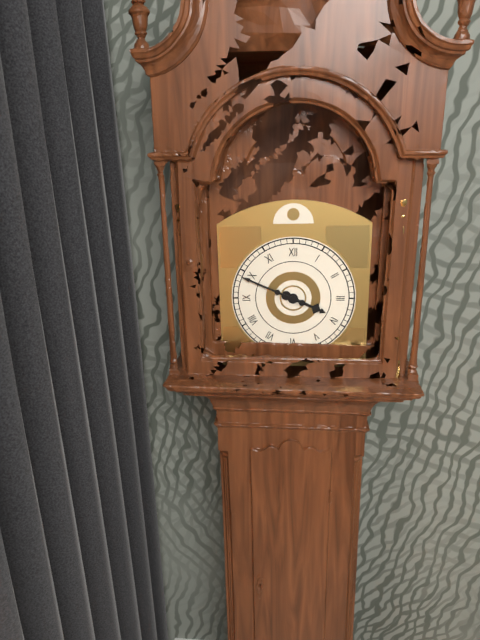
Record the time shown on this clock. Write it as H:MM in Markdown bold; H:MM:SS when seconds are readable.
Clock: **3:49**
